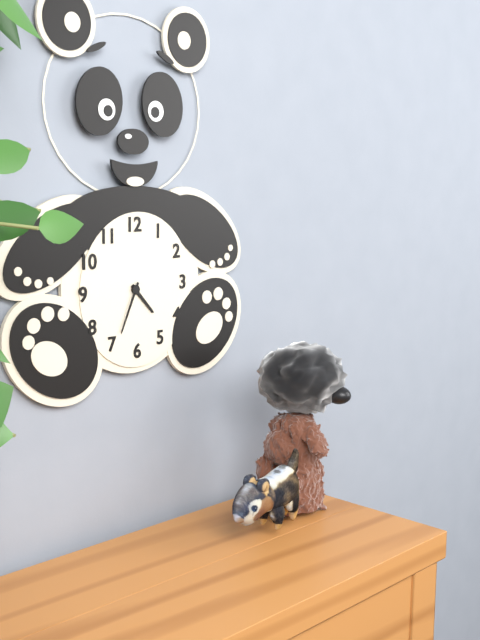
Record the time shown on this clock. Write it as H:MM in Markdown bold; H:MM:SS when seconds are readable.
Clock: **4:34**
